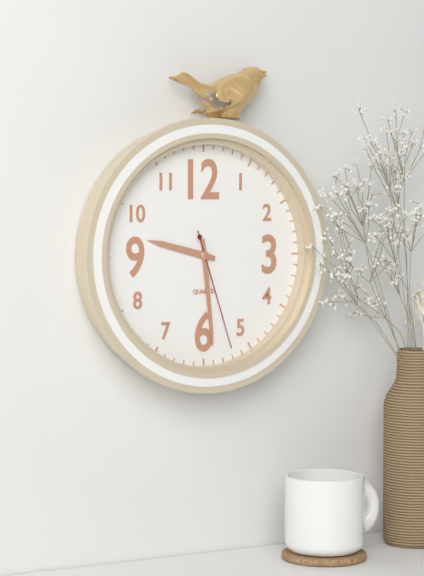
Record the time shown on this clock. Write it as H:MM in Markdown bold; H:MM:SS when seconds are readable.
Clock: **9:29:27**
